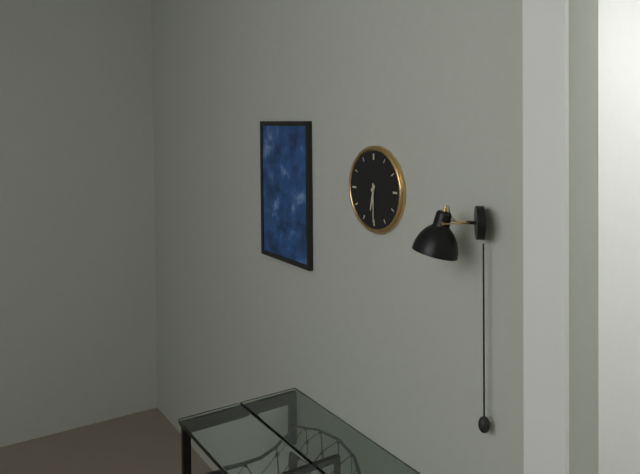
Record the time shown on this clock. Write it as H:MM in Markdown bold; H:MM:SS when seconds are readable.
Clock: **6:30**
